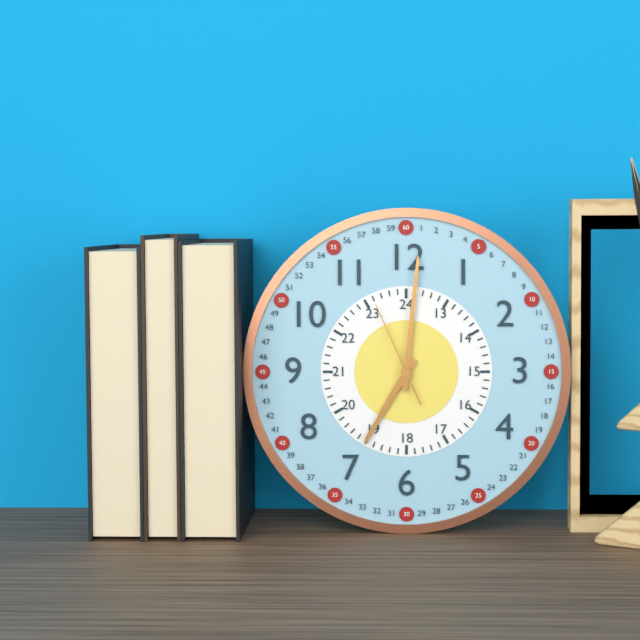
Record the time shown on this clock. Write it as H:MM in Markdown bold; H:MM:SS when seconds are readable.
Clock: **7:01:56**
